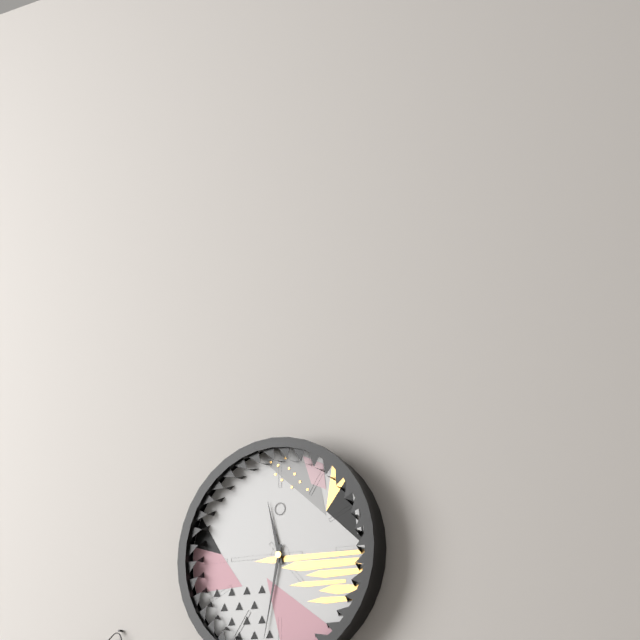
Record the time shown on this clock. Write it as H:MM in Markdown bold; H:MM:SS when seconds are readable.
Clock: **11:32**
